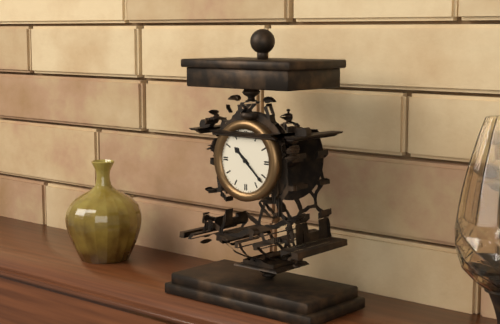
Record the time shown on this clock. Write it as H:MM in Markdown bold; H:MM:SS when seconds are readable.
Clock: **10:22**
